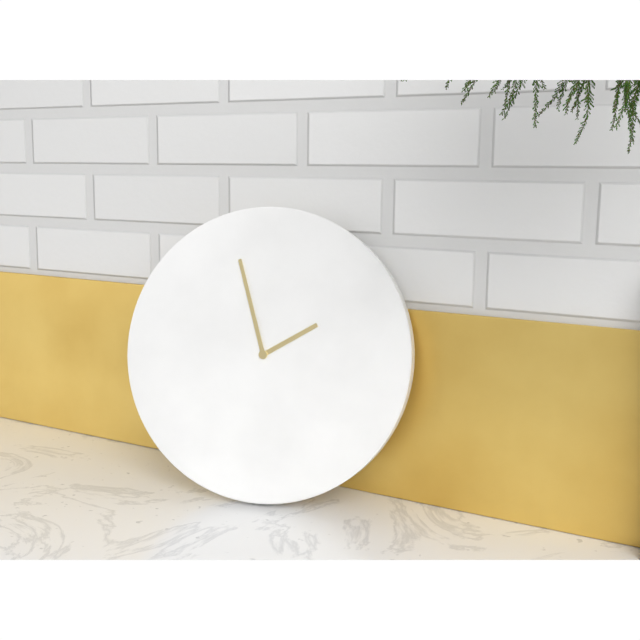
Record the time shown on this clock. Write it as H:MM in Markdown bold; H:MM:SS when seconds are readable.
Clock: **1:57**
